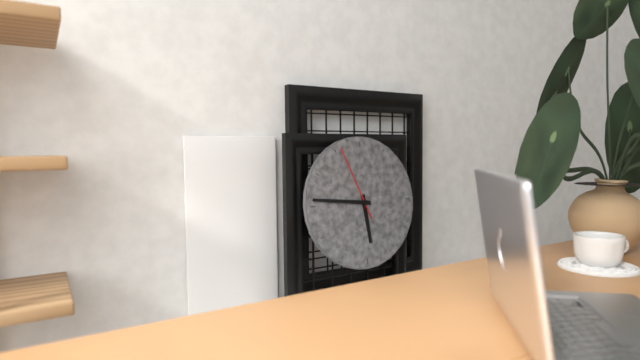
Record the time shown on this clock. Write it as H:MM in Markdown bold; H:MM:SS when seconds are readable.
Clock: **5:46:56**
